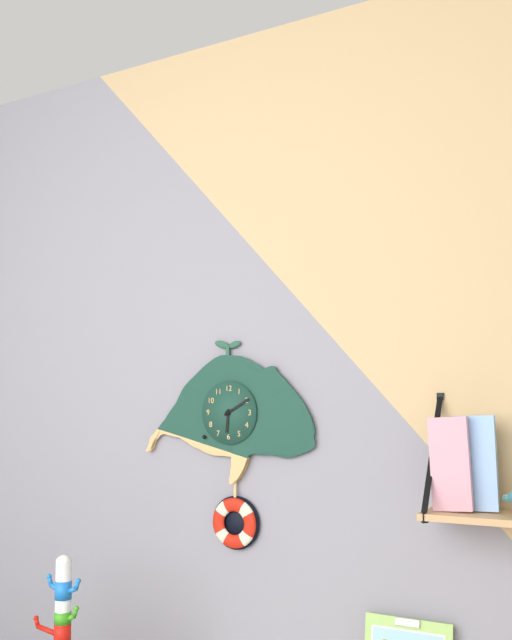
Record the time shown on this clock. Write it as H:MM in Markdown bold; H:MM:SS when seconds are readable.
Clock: **6:10**
